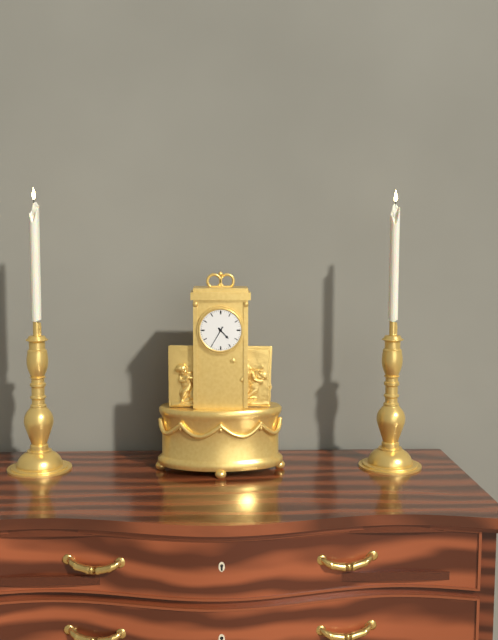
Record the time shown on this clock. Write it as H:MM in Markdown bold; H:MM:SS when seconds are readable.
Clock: **4:35**
